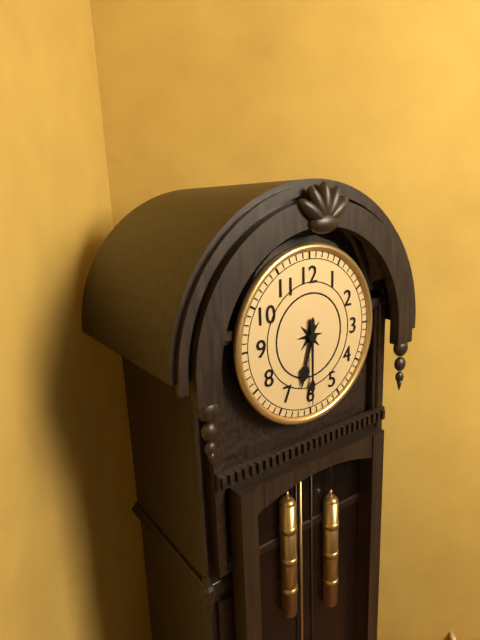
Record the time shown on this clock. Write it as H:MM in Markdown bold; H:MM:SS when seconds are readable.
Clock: **6:30**
